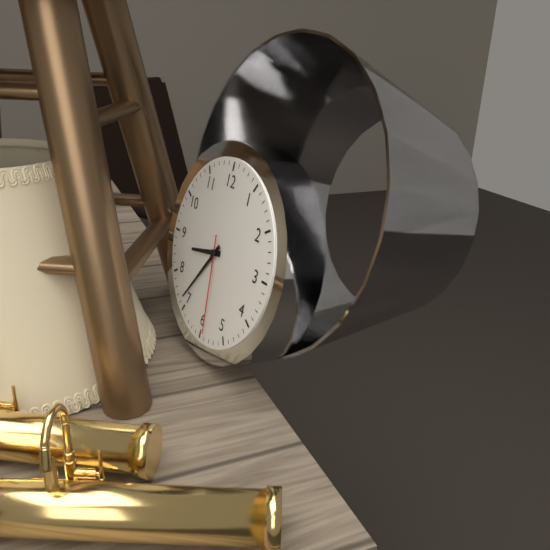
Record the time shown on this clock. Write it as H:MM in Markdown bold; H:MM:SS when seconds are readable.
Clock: **8:36:29**
